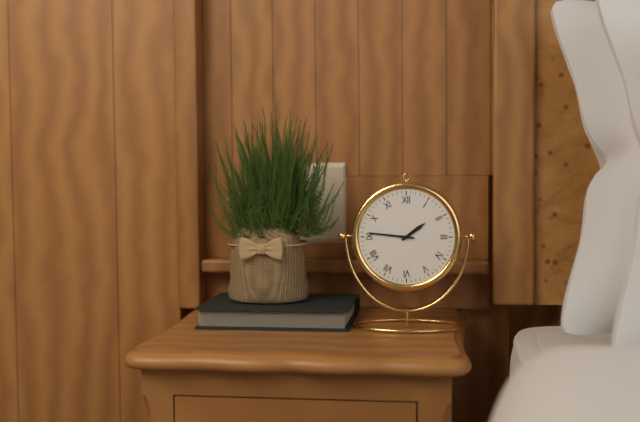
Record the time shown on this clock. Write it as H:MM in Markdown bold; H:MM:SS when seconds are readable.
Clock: **1:46**
